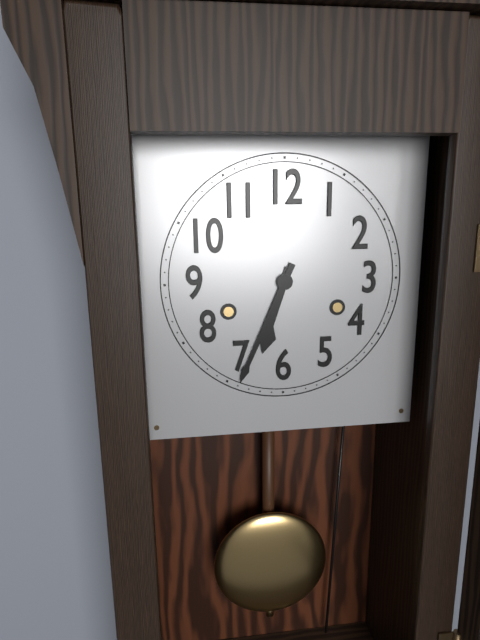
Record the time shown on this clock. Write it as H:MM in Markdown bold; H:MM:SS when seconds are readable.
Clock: **6:34**
